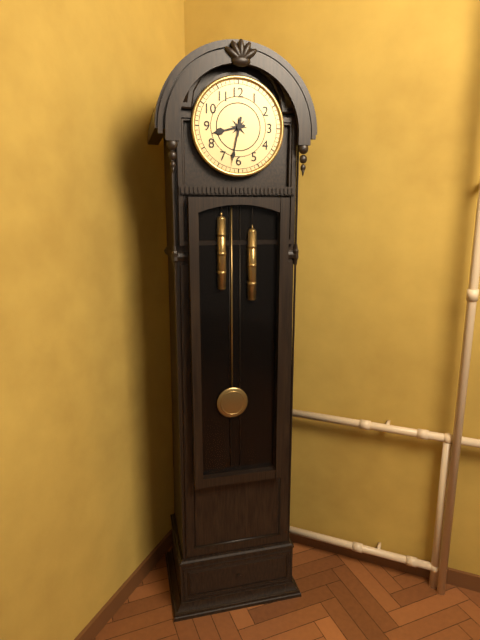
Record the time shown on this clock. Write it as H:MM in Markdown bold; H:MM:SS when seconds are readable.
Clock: **8:32**
